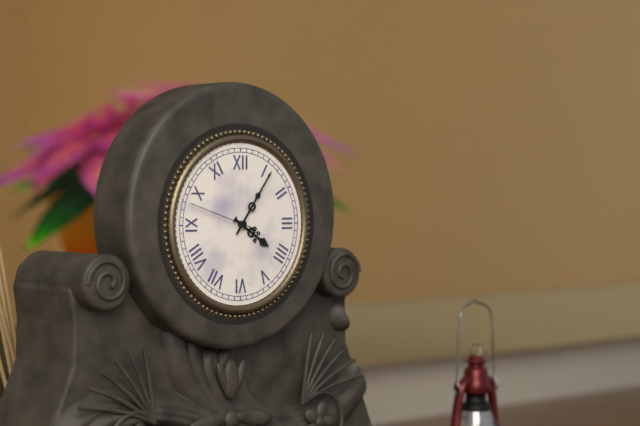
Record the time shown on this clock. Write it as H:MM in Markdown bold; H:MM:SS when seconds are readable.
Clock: **4:06:48**
